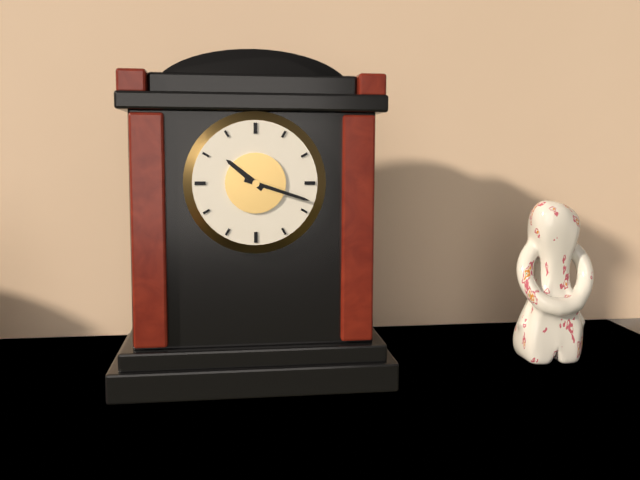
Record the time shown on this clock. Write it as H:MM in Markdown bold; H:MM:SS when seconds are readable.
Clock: **10:18**
